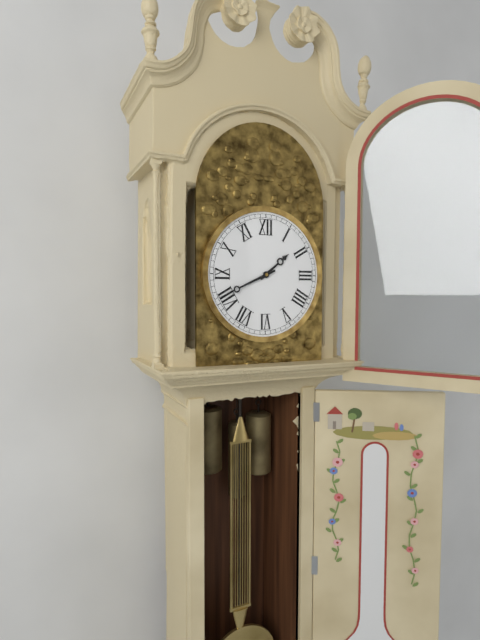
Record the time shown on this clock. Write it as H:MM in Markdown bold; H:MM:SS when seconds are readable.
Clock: **1:41**
